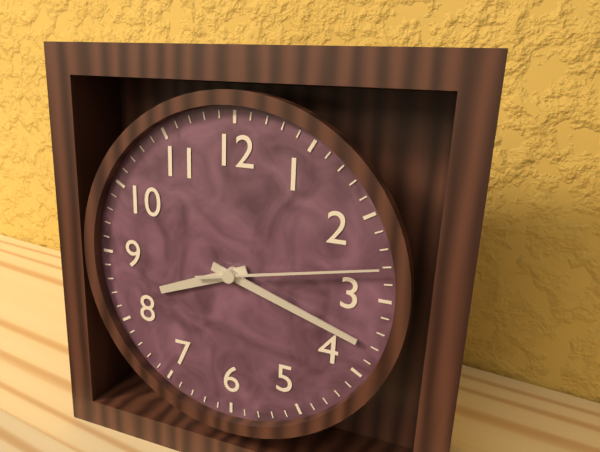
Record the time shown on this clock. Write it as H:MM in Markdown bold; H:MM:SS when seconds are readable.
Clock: **8:18:13**
